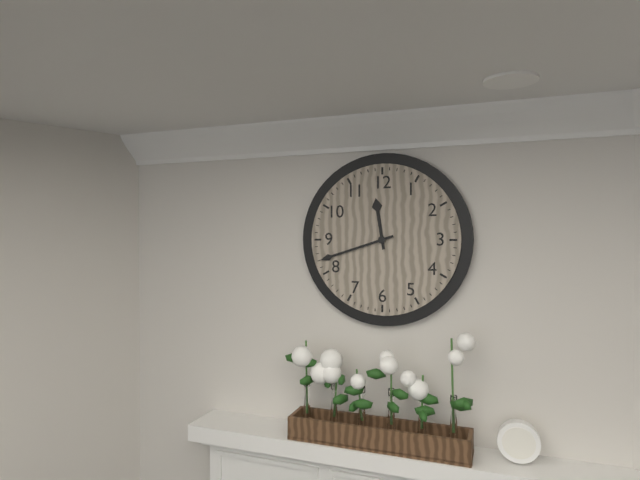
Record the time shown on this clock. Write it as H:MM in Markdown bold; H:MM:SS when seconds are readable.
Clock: **11:42**
